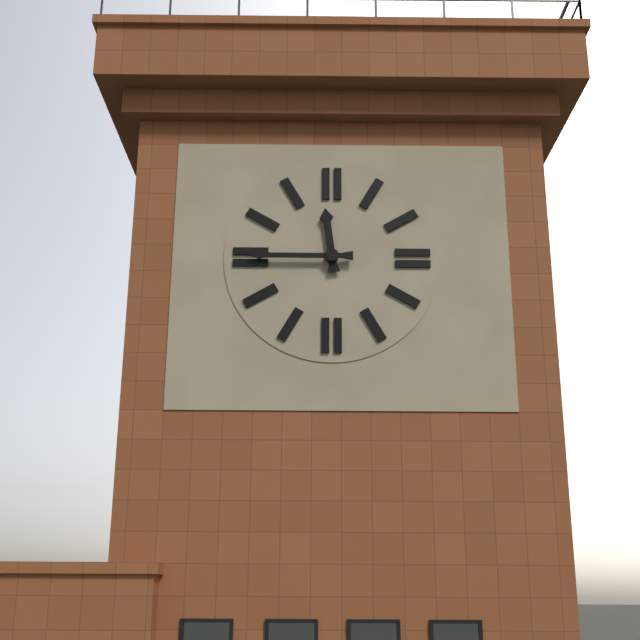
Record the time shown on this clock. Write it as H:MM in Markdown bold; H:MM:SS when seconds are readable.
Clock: **11:45**
